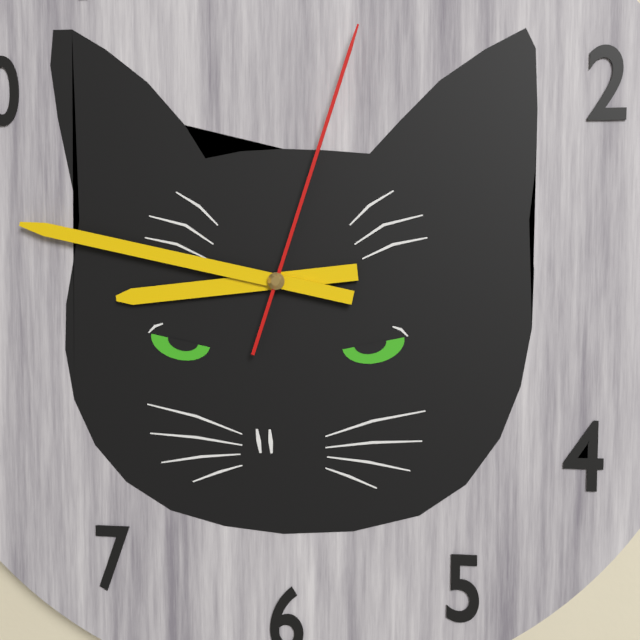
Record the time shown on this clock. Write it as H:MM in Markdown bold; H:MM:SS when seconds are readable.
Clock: **8:47:03**
